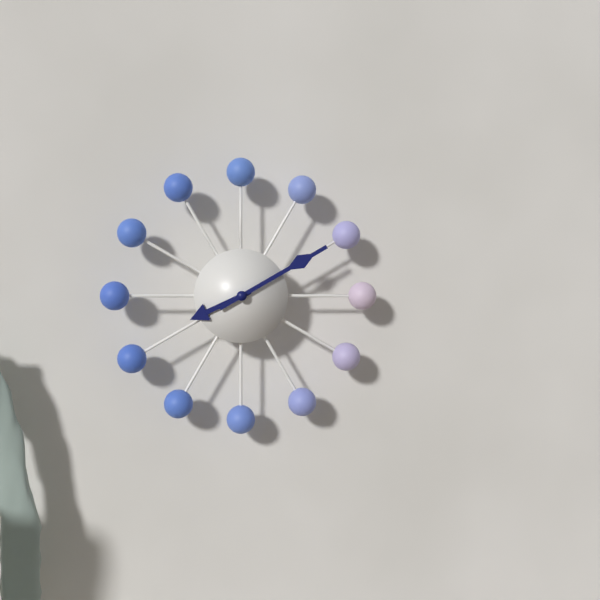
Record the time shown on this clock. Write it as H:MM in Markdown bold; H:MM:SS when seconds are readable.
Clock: **8:10**
